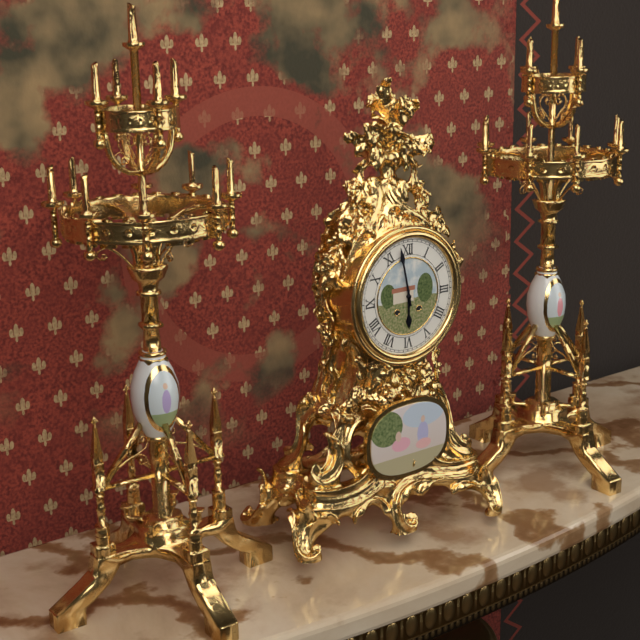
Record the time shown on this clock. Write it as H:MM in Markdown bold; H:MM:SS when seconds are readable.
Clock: **5:58**
